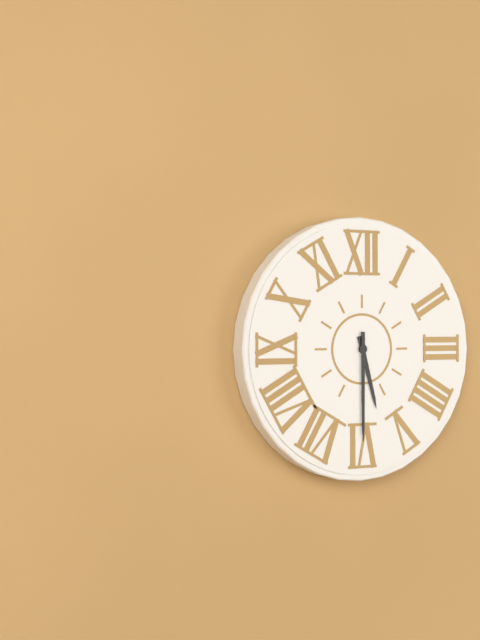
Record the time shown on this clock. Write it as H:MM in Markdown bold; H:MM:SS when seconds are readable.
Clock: **5:30**
